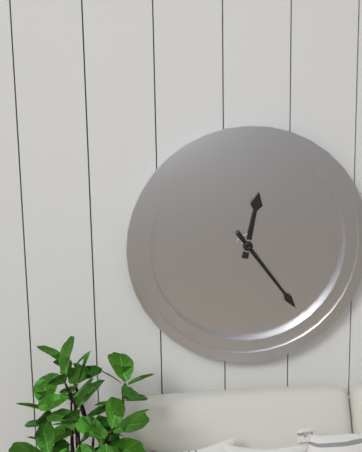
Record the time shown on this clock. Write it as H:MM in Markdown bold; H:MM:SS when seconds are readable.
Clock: **12:24**
